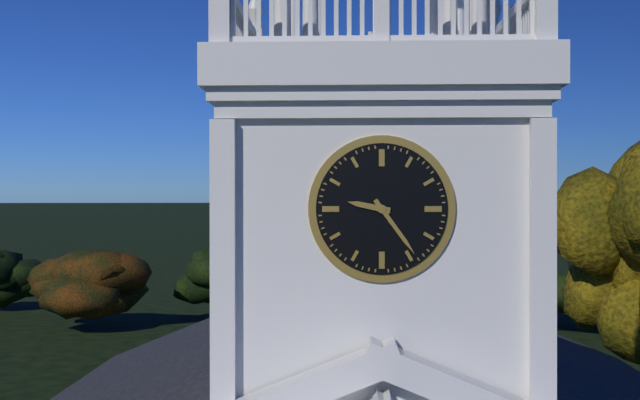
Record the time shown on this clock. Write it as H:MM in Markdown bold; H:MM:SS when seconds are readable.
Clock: **9:24**
